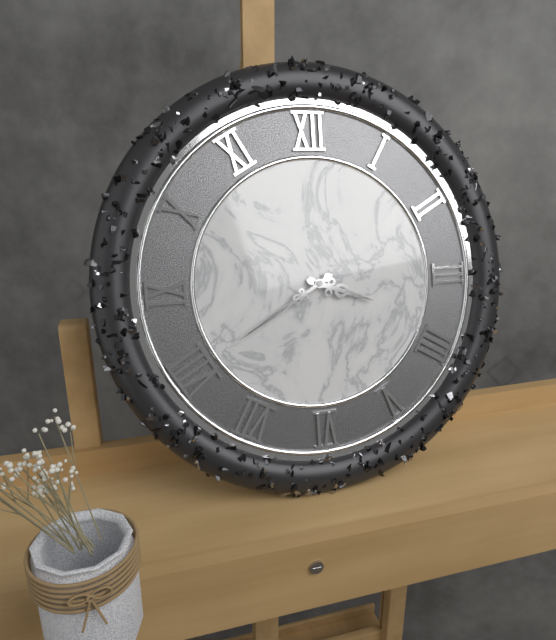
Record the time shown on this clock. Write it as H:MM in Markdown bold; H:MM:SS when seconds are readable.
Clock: **3:40**
